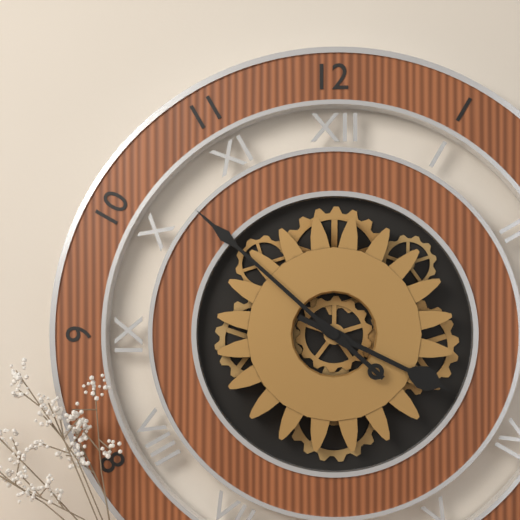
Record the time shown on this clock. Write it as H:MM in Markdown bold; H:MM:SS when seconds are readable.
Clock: **3:52**
